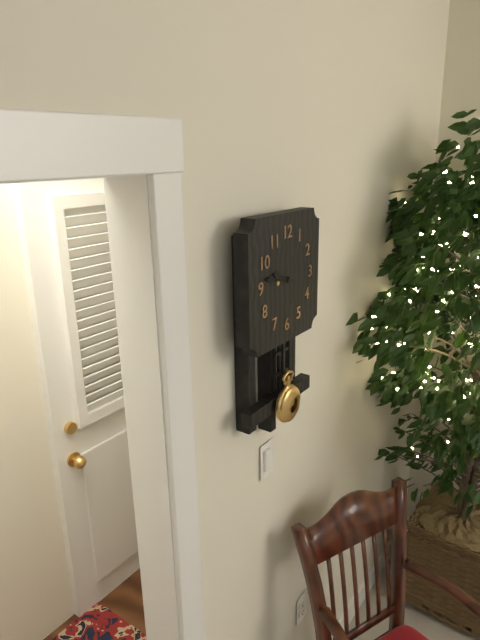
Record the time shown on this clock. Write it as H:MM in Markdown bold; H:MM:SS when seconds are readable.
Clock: **9:47**
